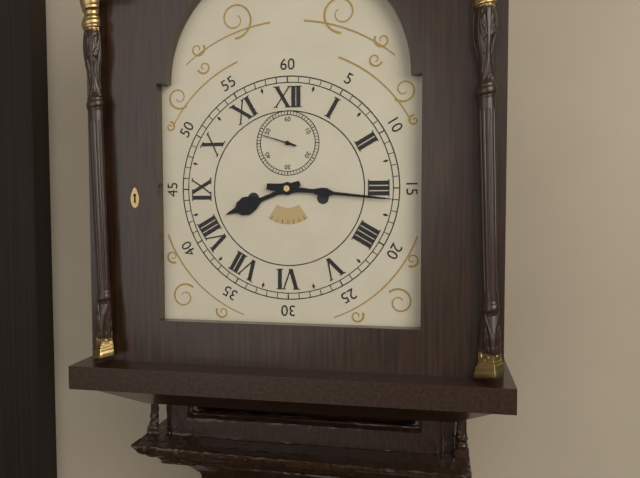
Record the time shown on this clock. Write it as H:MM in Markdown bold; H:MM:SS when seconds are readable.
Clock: **8:16**
